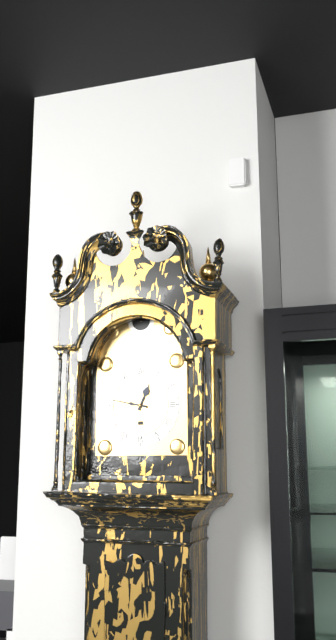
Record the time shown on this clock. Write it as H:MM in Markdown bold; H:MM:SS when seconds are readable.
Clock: **12:47**
